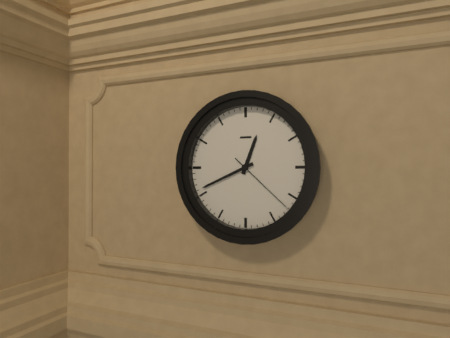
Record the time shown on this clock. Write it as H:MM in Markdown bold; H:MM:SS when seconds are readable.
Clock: **12:41:22**
